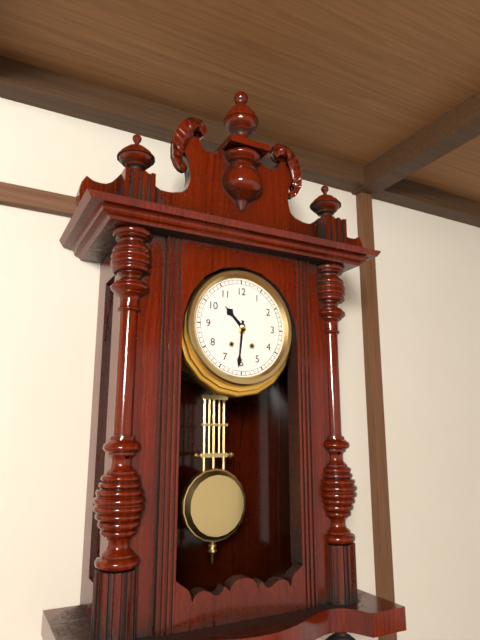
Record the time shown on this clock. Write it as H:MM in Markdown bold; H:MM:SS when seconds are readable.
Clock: **10:31**
